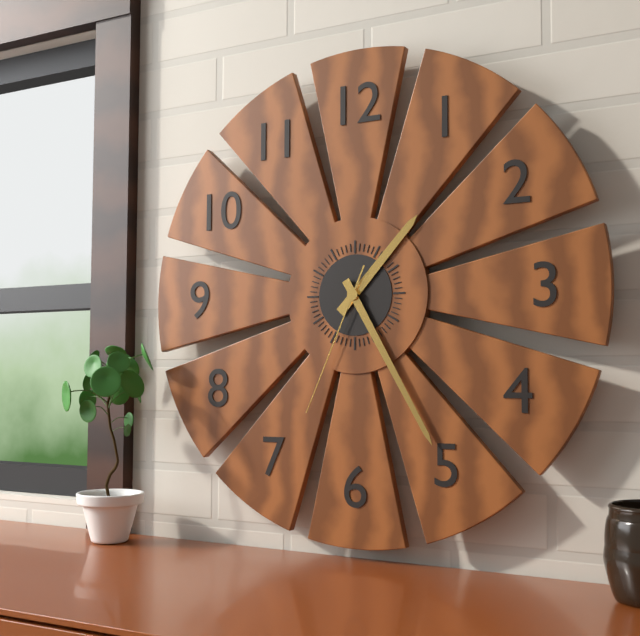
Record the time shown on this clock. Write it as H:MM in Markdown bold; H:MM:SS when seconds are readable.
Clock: **1:25:34**
